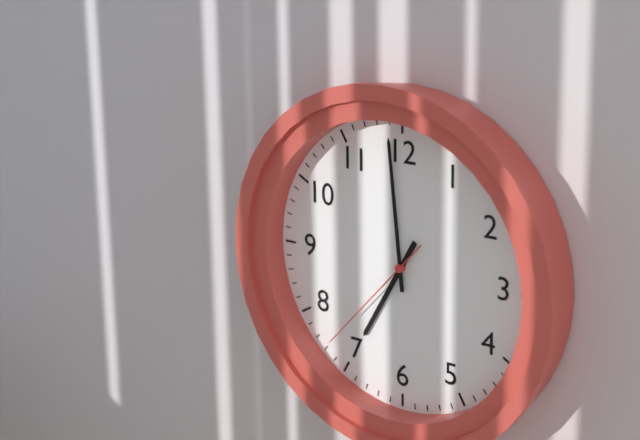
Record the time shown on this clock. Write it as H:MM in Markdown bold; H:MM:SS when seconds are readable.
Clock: **6:59:37**
